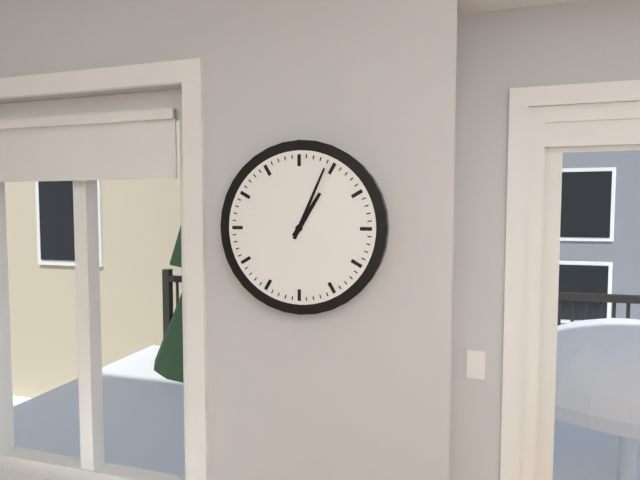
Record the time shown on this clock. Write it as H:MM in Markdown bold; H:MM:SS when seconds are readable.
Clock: **1:04**
